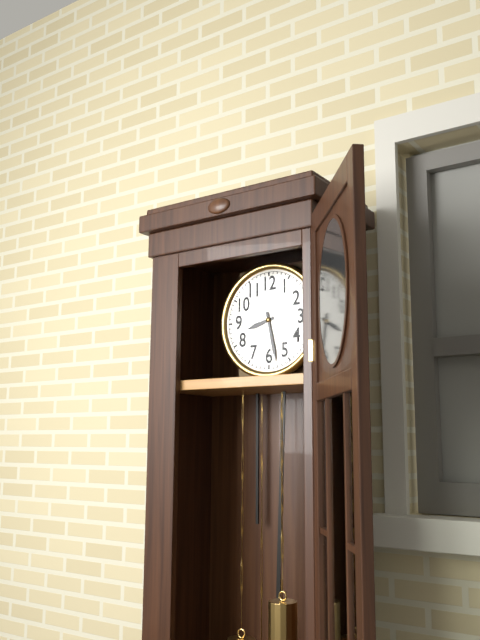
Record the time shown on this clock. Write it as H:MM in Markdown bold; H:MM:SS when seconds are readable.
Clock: **8:28**
